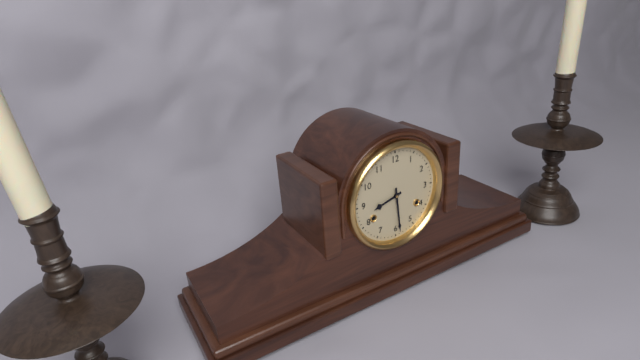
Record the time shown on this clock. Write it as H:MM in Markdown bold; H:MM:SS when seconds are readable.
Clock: **8:29**
